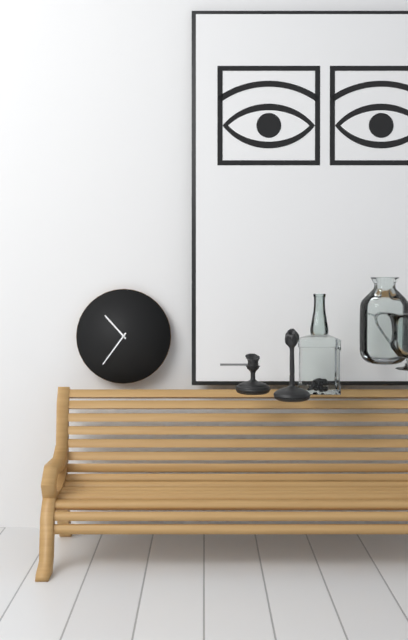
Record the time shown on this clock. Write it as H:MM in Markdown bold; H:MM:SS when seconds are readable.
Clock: **10:36**
